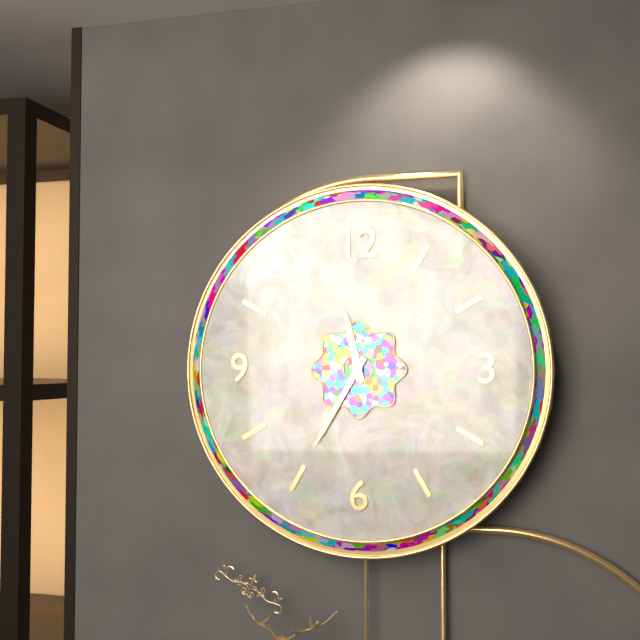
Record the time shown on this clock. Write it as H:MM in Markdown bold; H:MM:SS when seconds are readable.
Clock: **11:35**
